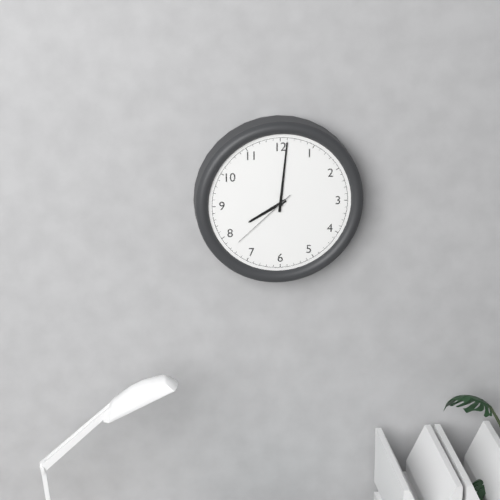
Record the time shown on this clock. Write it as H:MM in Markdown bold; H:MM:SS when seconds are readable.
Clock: **8:01:38**
